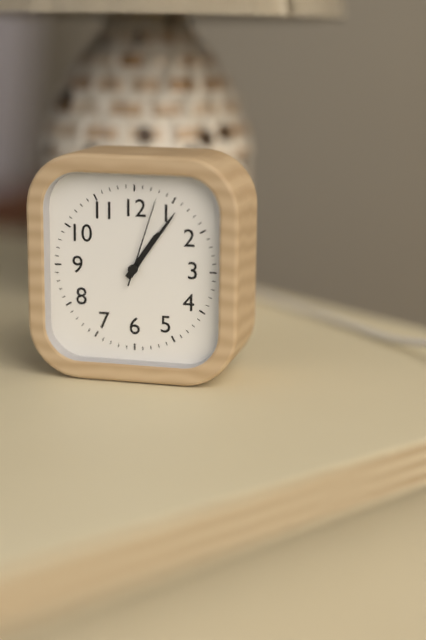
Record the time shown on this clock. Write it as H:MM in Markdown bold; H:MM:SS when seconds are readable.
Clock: **1:06:03**
